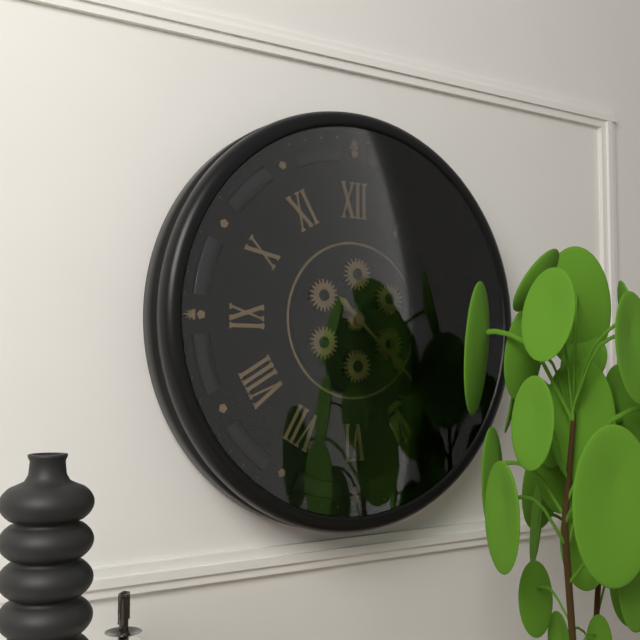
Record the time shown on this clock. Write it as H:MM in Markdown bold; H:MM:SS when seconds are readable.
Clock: **4:22**
